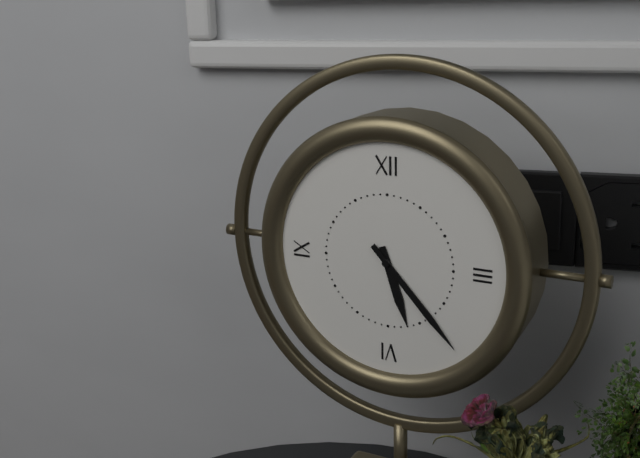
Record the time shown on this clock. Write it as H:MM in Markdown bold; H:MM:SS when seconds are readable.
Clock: **5:23**
